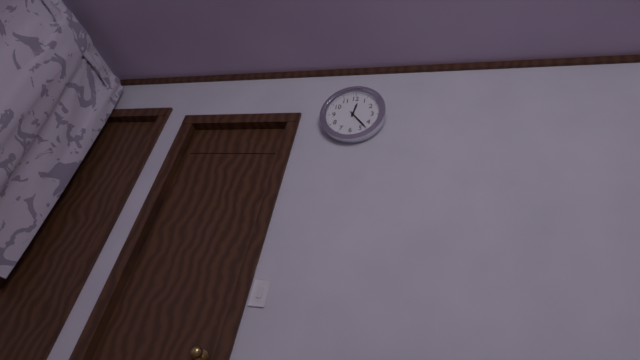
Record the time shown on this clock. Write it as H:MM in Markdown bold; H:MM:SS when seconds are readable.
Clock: **12:23**
